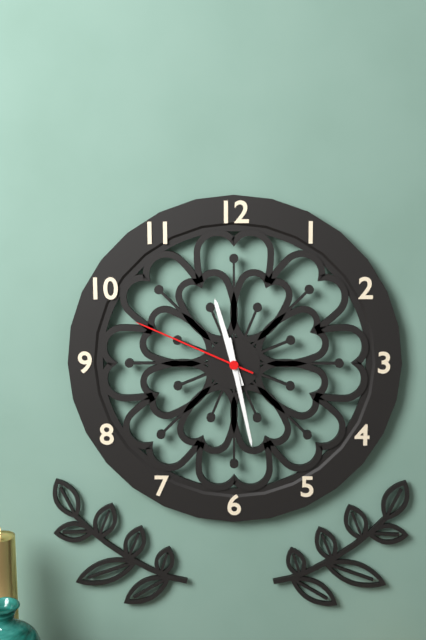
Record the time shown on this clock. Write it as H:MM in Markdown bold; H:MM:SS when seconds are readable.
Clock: **11:28:49**
